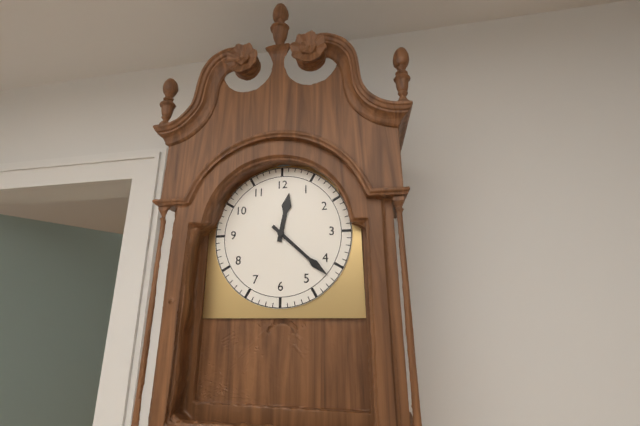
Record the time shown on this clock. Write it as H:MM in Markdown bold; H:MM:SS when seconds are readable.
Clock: **12:22**
